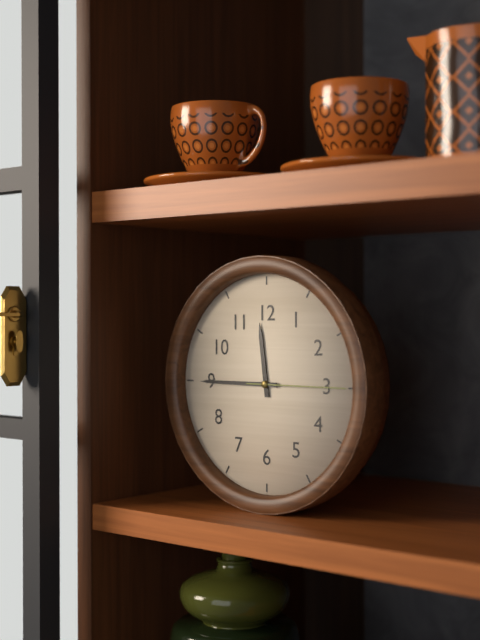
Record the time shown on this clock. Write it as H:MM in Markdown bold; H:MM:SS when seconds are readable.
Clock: **11:45:15**
